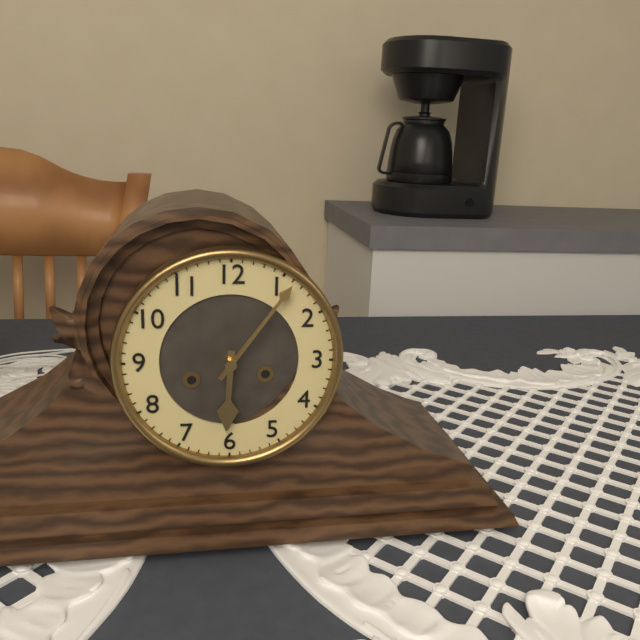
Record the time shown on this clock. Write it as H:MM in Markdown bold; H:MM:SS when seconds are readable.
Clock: **6:06**
